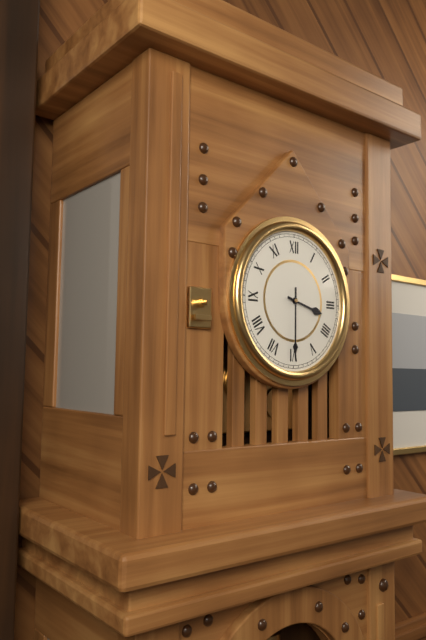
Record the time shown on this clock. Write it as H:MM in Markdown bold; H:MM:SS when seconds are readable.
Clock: **3:30**
